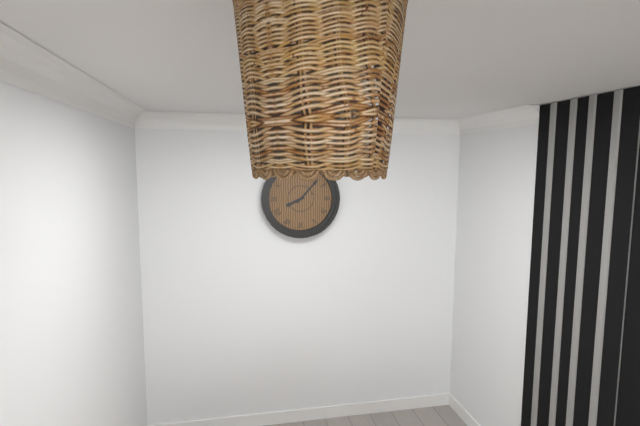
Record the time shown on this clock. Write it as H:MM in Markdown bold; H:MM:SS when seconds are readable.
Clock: **8:07**
